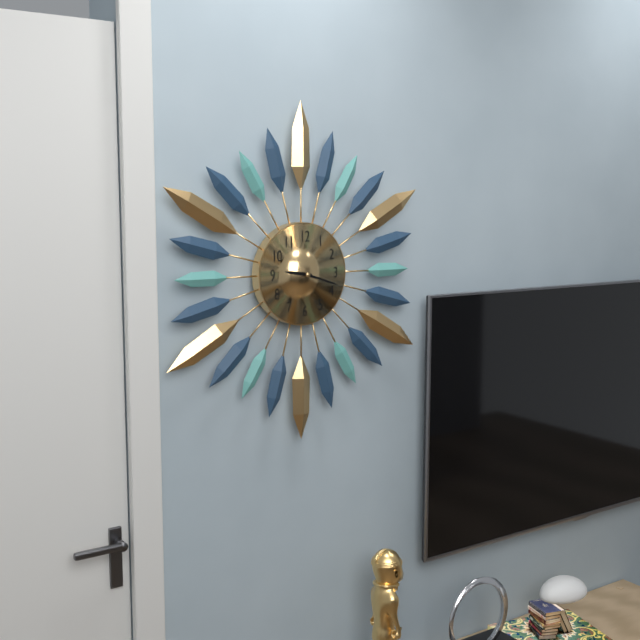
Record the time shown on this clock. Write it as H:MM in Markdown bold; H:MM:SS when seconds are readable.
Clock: **9:18**
